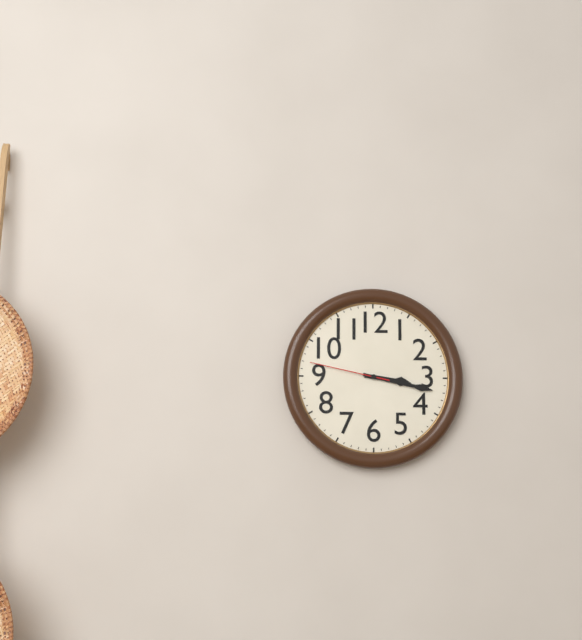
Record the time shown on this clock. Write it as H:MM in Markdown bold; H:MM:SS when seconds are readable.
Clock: **3:17:47**
